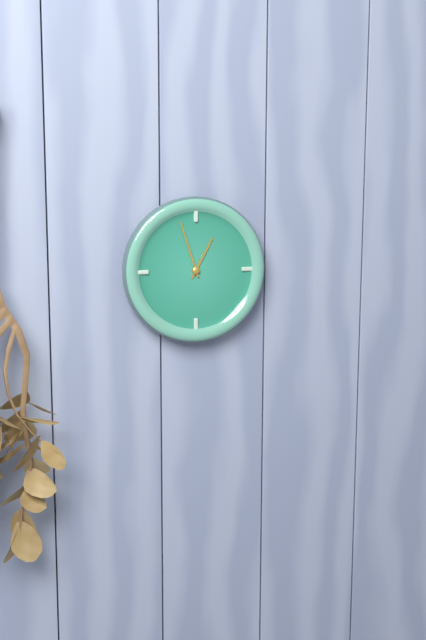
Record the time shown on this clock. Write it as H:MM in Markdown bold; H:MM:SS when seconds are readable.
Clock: **12:57**
